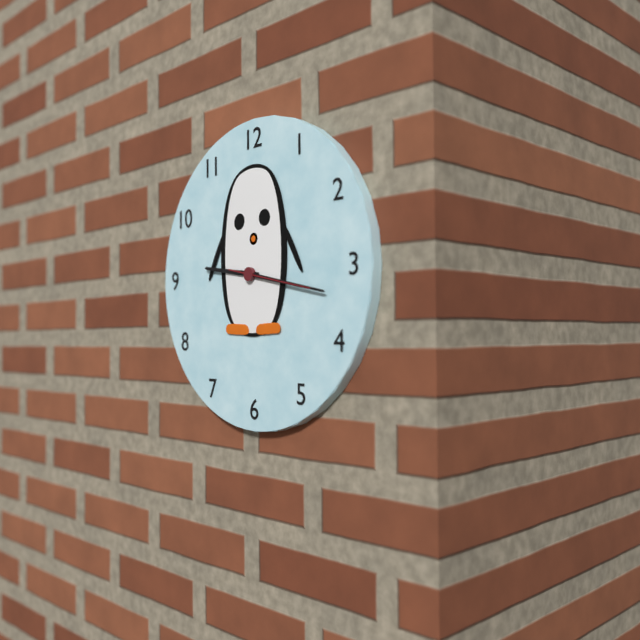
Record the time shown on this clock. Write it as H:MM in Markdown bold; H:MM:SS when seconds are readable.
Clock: **9:17:17**
